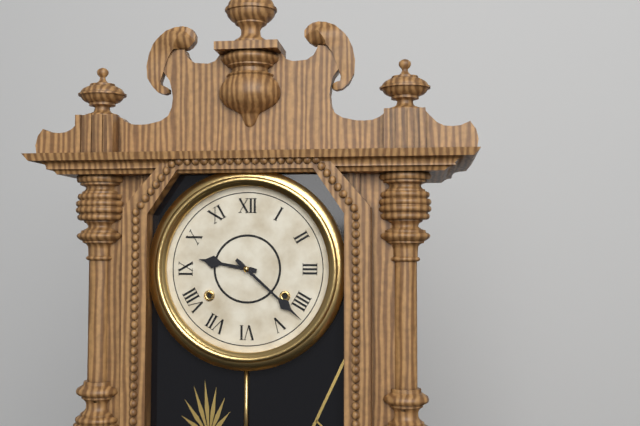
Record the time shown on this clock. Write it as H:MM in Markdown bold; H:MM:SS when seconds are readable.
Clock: **9:22**
